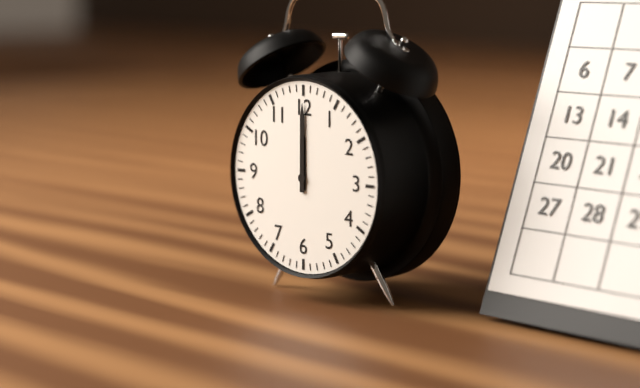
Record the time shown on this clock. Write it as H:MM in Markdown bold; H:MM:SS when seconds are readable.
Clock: **12:00**
